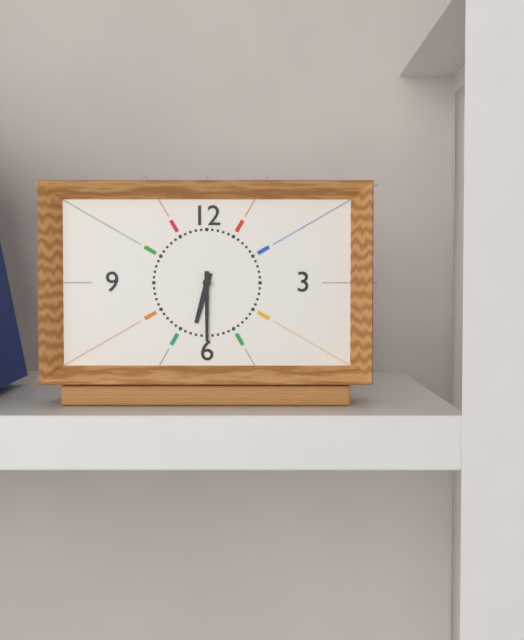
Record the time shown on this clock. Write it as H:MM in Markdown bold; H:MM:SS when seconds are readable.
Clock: **6:30**
